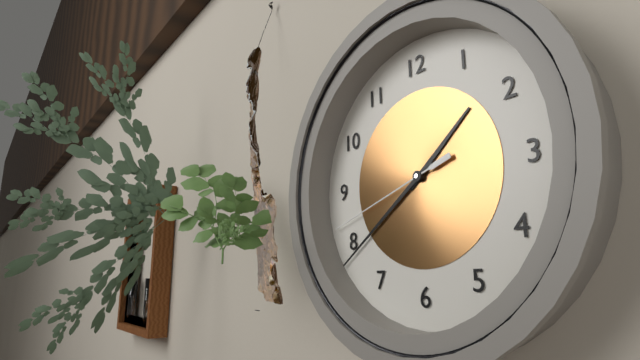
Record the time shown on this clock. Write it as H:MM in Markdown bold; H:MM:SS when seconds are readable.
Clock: **1:39:42**
